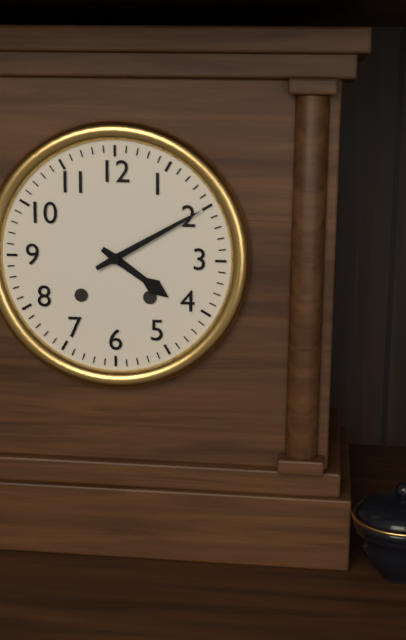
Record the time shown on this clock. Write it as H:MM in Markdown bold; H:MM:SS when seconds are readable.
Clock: **4:10**
